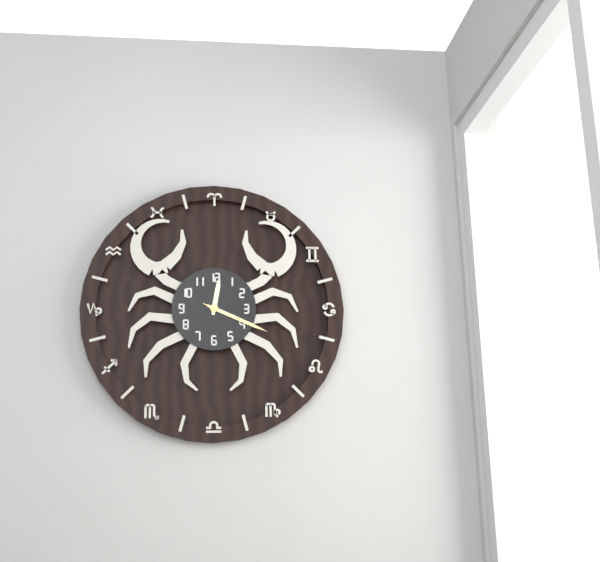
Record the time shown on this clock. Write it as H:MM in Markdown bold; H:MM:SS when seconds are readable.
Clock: **12:19:19**
